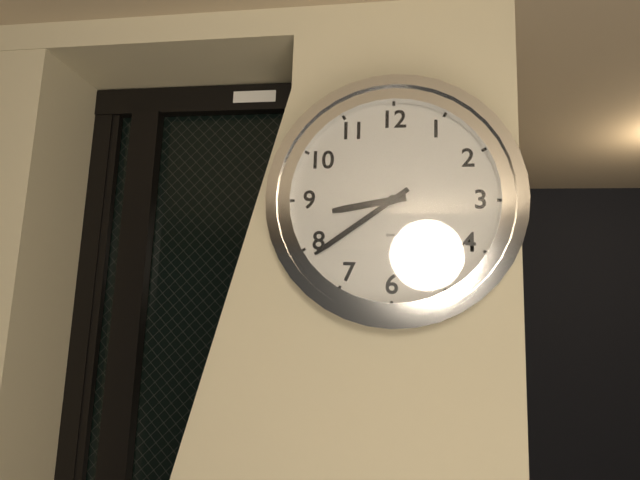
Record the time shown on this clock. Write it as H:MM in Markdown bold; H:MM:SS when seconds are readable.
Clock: **8:39**
